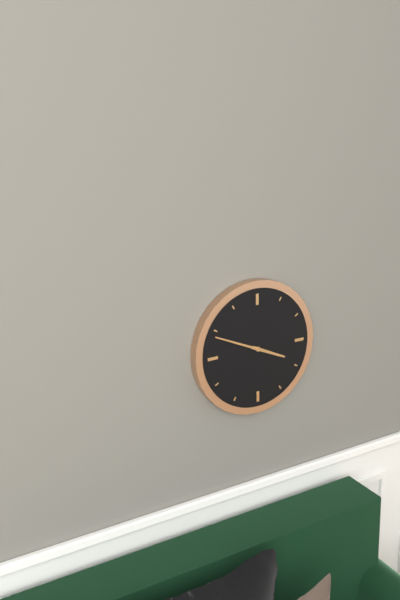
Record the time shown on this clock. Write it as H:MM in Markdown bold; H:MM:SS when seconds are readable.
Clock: **3:49**
